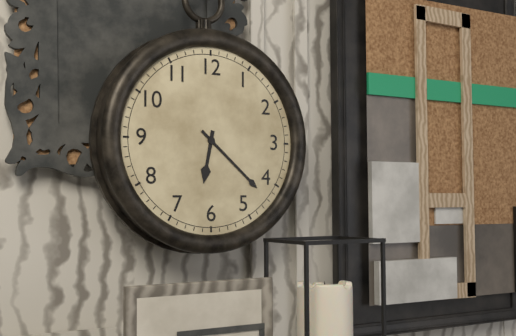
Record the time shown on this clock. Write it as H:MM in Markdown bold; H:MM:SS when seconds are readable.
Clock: **6:22**
